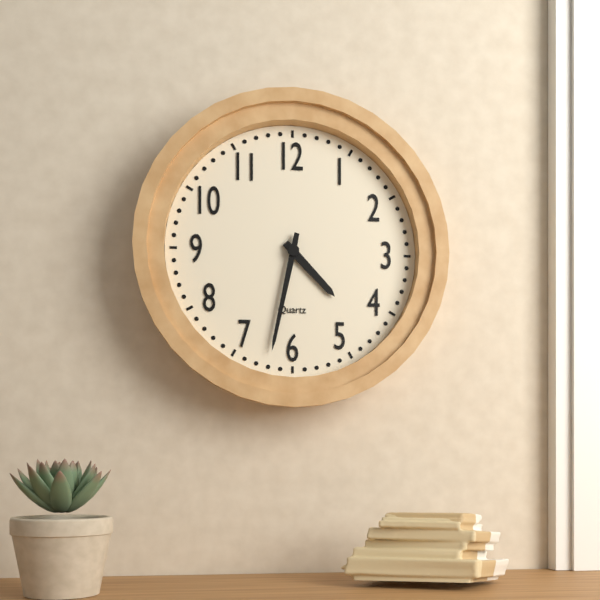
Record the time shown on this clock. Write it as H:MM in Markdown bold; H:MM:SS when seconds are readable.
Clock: **4:32**
